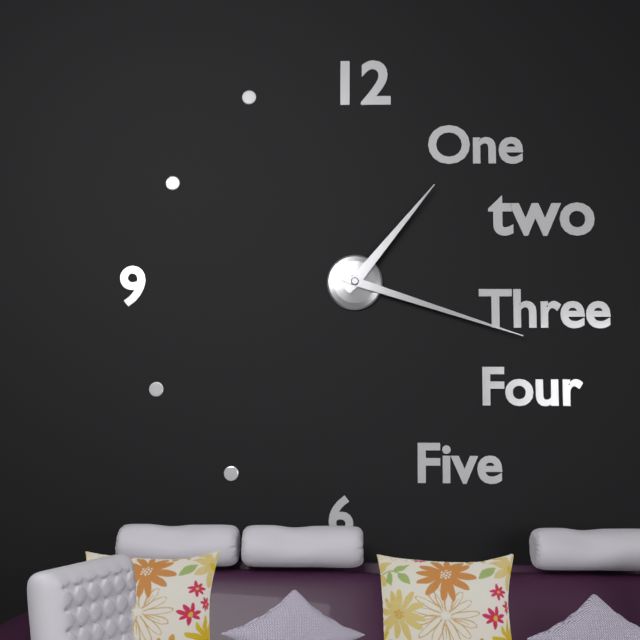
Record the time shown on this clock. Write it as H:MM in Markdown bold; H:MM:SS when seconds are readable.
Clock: **1:18**
